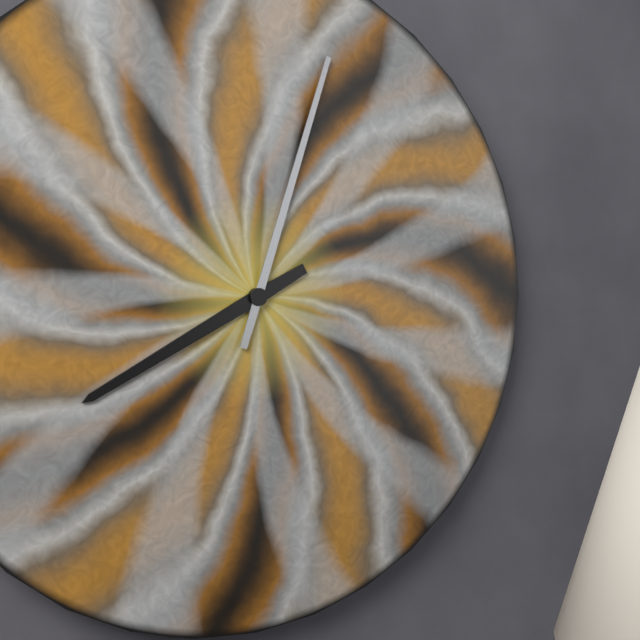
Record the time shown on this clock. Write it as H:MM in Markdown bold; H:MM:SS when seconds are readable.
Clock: **8:03**
